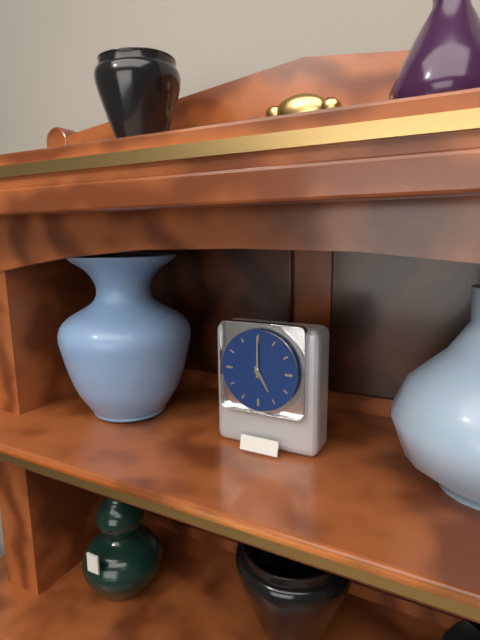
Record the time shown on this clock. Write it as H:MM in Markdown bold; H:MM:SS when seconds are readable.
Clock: **5:00**
